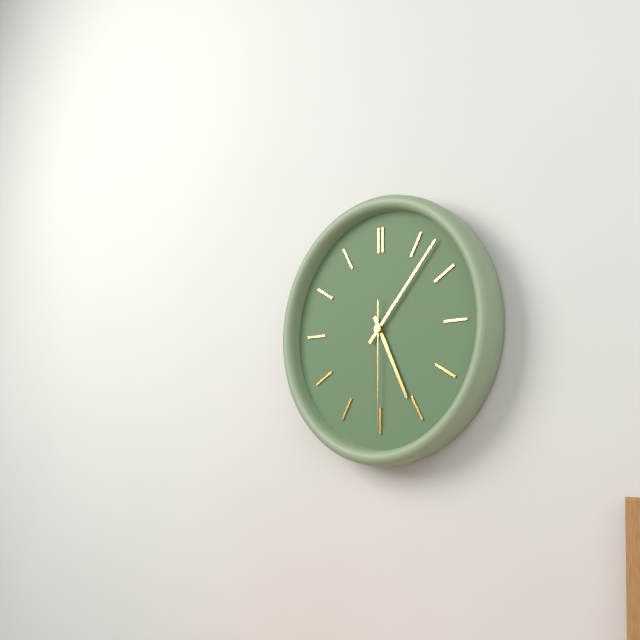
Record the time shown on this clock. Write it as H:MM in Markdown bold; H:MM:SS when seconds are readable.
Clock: **5:07:30**
